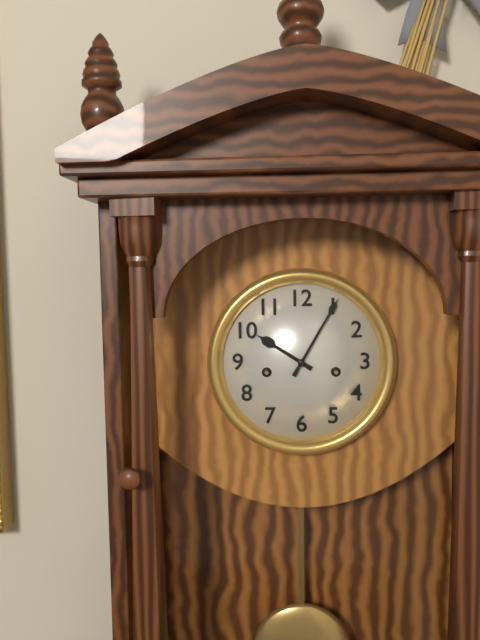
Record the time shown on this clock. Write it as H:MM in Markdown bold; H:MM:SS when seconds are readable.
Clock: **10:05**
